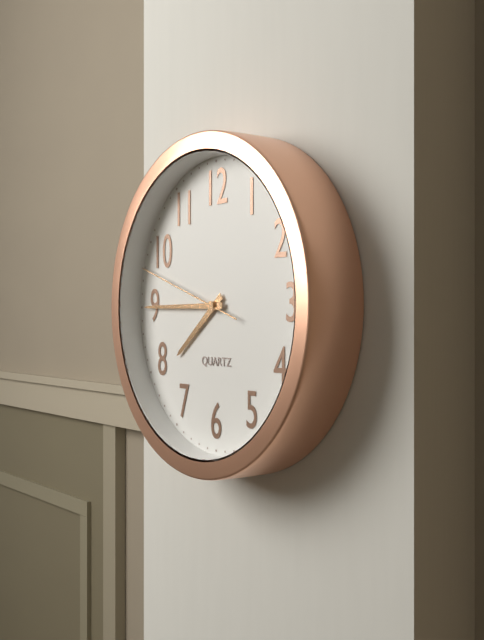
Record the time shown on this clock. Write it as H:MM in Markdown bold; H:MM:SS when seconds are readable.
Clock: **7:45:48**
